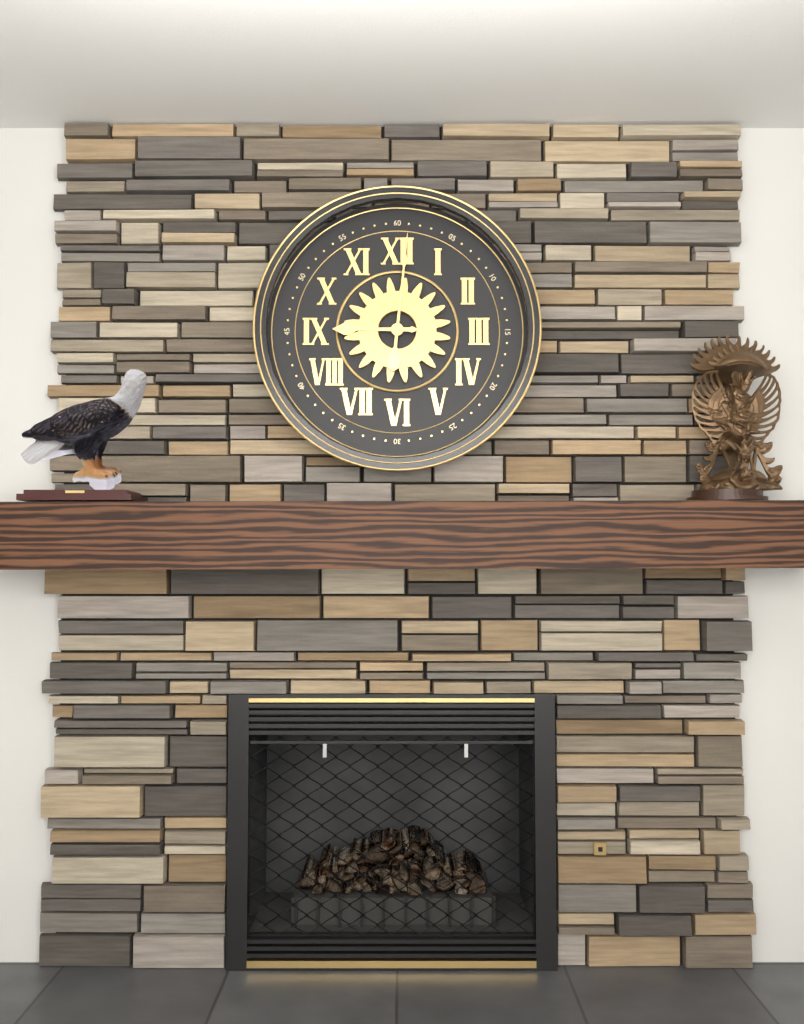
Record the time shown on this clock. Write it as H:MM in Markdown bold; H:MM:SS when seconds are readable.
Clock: **9:01**
